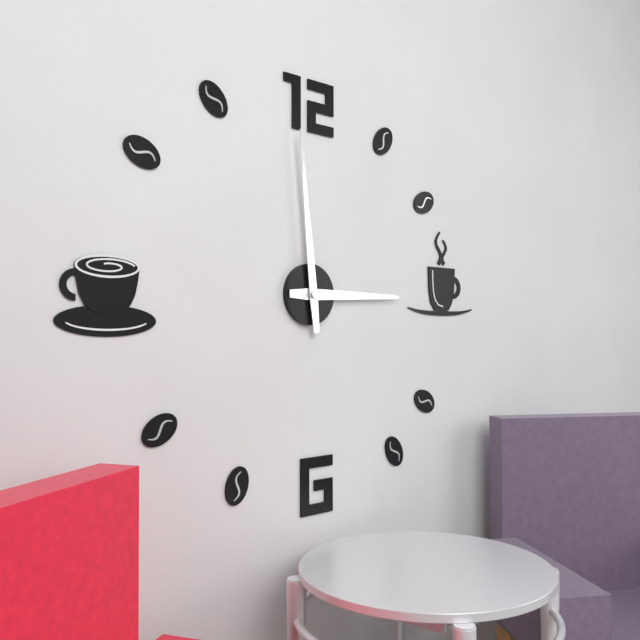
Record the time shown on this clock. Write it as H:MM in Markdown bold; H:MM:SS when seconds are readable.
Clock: **2:59**
